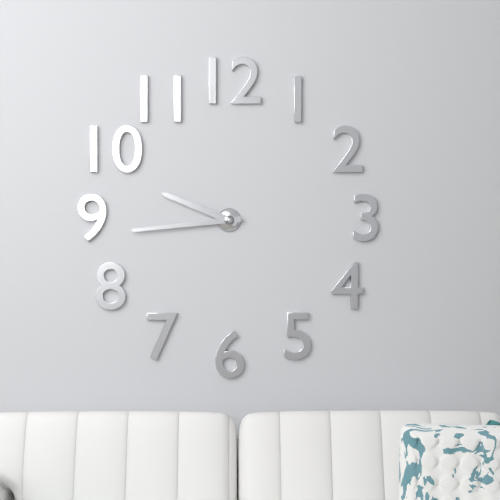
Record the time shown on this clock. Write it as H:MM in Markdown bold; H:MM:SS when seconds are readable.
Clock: **9:44**
